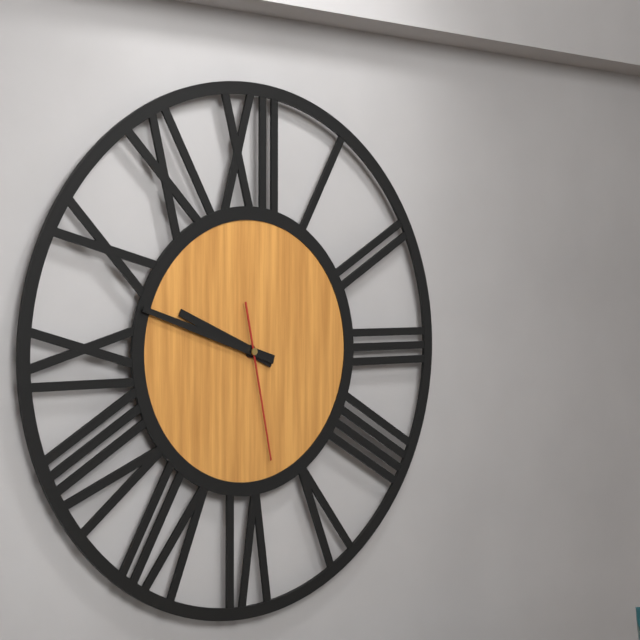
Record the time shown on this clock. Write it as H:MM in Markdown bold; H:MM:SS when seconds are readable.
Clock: **9:48:28**
